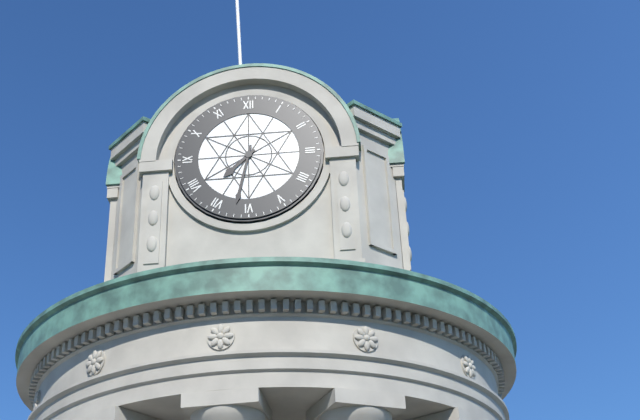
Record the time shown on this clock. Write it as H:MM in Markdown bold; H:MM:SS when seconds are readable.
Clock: **7:32**
